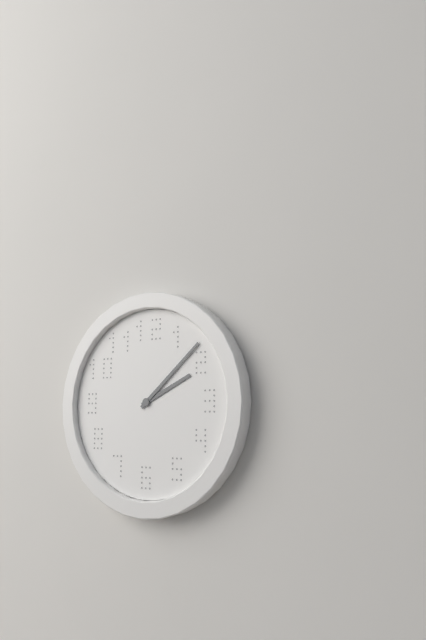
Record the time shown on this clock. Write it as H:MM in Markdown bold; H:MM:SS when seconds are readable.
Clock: **2:08**
